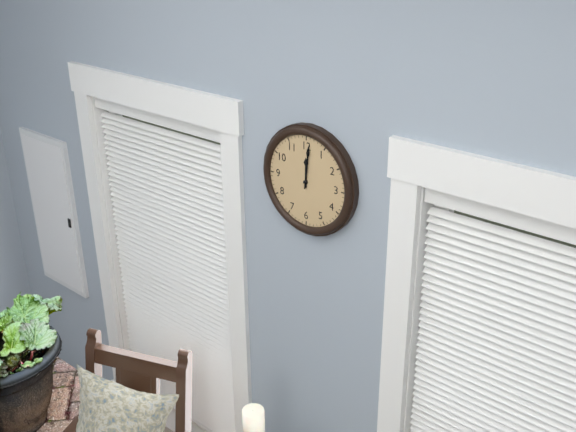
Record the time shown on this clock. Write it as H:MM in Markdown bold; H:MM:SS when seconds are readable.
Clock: **12:01**
